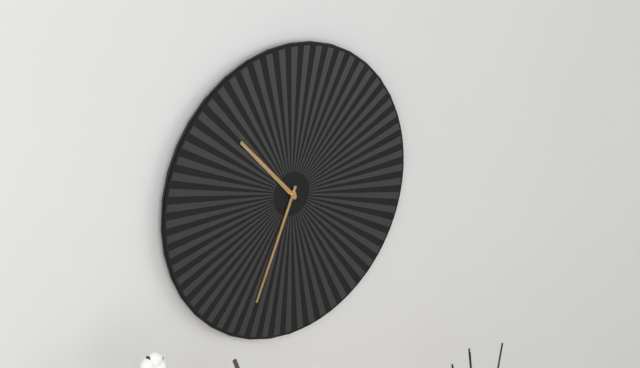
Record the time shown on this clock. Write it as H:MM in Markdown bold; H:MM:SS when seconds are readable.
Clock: **10:34**
